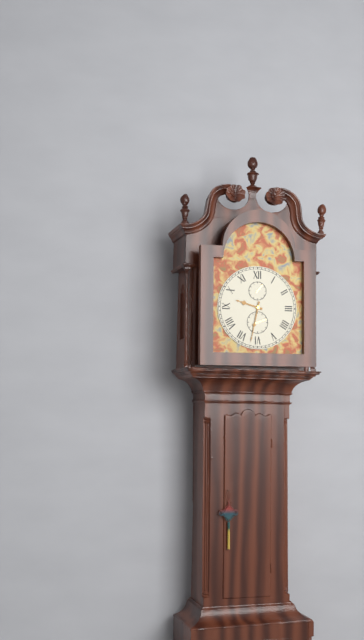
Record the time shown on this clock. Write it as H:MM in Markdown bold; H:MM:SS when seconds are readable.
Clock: **9:32**
